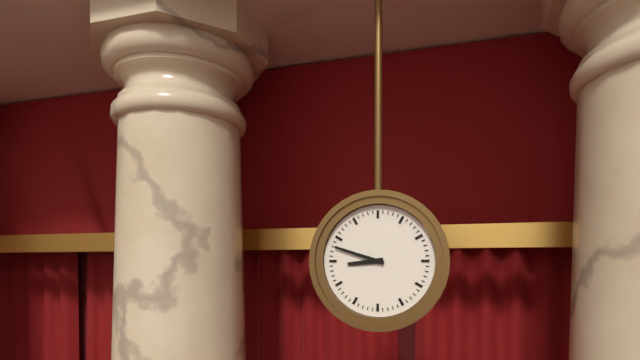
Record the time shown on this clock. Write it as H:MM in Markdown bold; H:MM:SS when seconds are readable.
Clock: **8:48**
